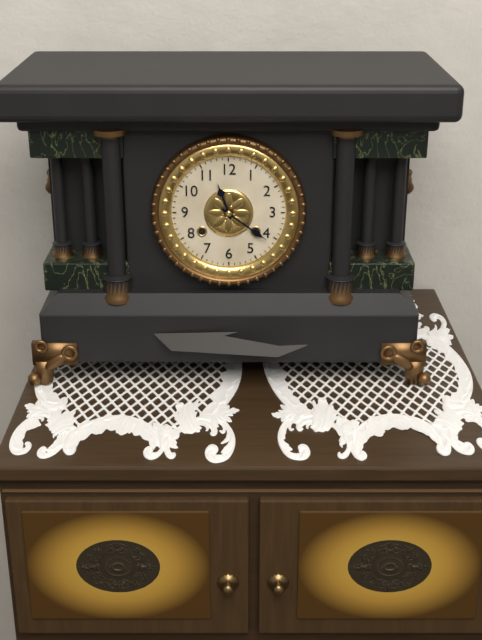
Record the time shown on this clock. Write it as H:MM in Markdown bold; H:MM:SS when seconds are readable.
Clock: **11:21**
